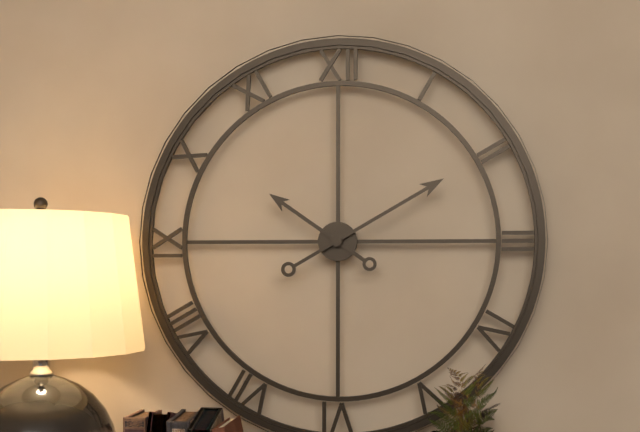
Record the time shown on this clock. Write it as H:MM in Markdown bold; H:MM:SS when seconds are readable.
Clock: **10:10**
